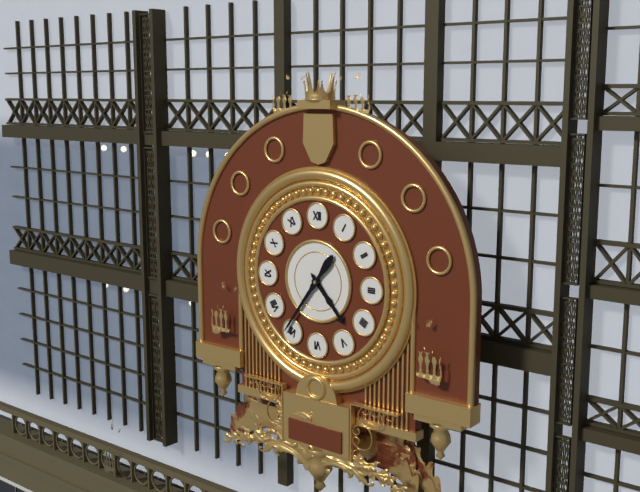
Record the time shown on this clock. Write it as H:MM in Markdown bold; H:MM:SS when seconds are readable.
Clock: **4:36**
